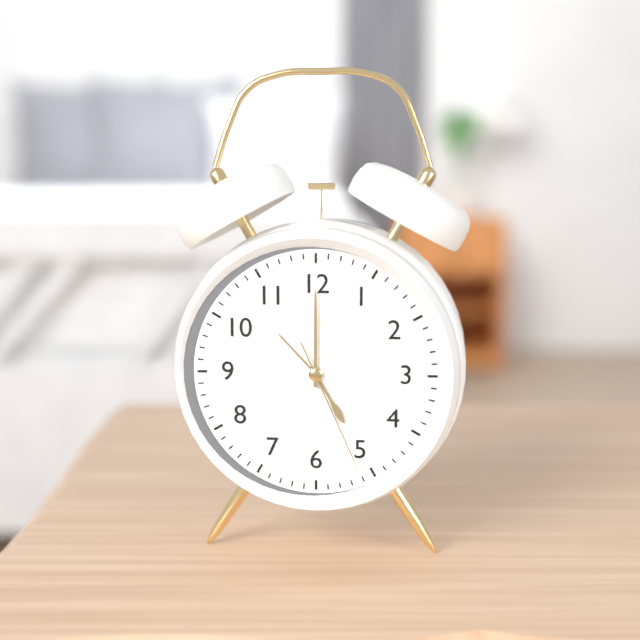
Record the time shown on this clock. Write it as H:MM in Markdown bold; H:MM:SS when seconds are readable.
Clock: **5:00:26**
